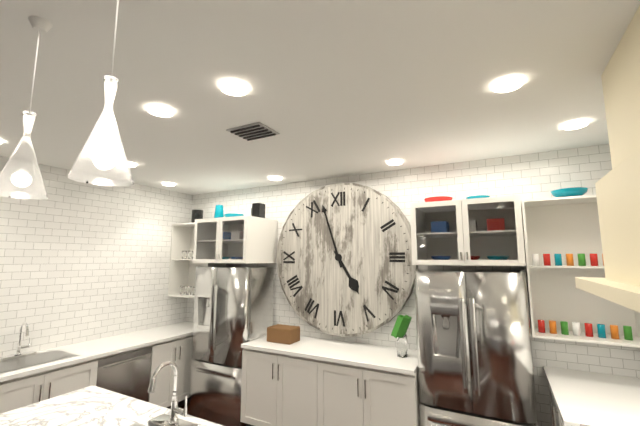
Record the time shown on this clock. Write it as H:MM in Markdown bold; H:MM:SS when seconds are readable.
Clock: **4:57**
